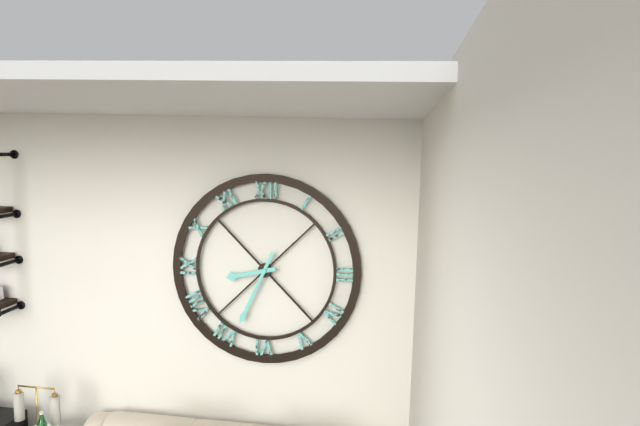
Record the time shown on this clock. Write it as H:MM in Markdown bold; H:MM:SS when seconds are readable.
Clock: **8:34**
